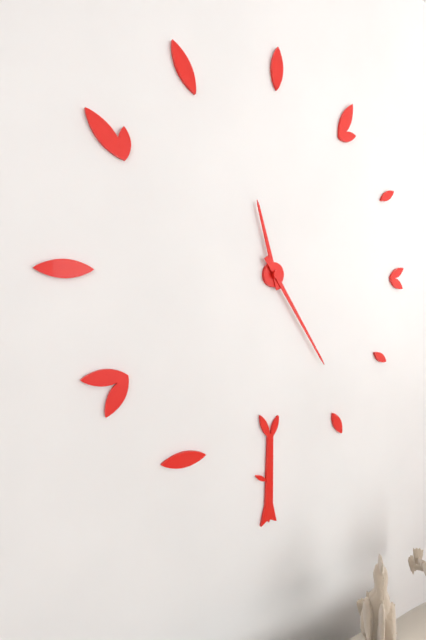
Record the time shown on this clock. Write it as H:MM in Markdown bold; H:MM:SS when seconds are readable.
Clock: **11:24**
